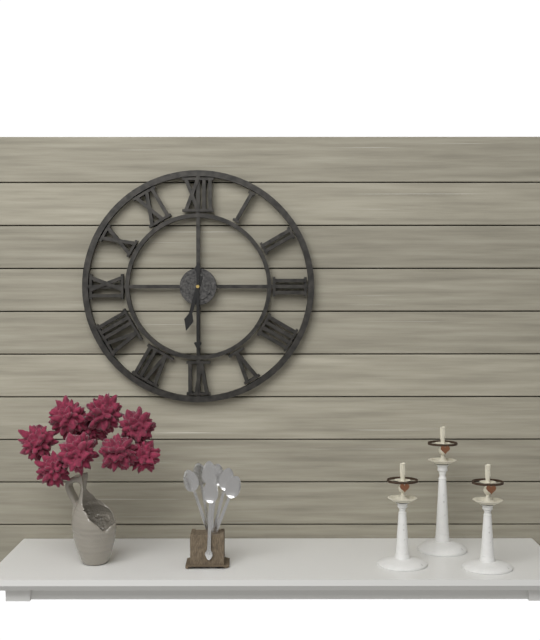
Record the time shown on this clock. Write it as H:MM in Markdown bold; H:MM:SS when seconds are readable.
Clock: **6:30**
